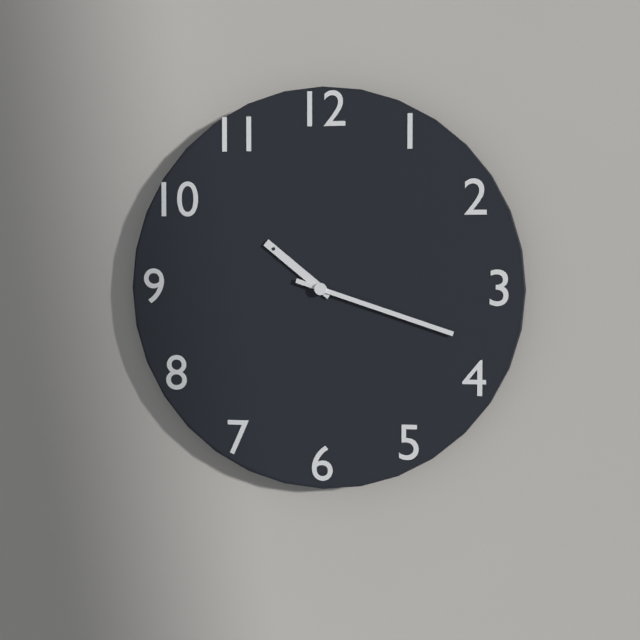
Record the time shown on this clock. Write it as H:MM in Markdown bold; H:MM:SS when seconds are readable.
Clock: **10:18**
